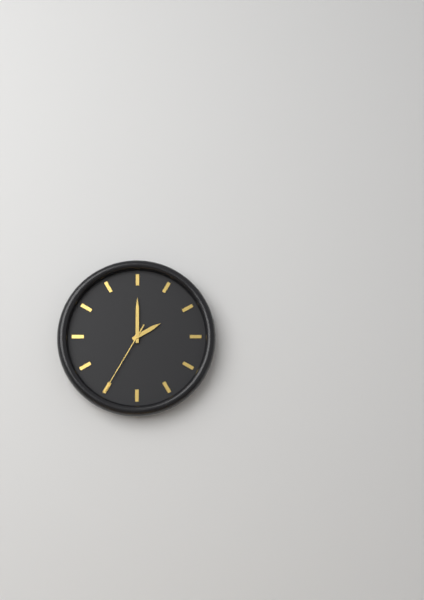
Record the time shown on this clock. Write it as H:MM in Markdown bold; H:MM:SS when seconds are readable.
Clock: **2:00:35**
